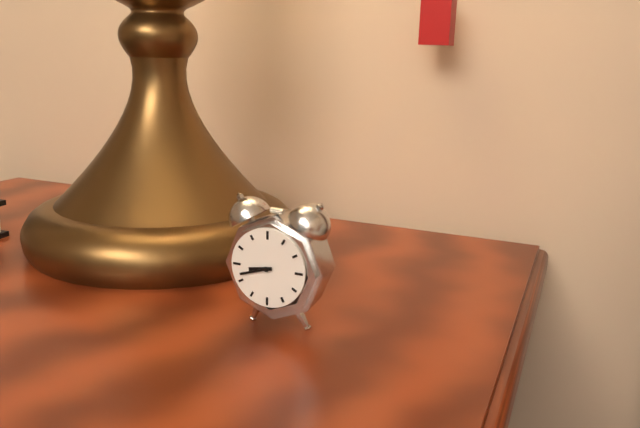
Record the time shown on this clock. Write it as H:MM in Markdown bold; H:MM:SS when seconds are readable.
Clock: **8:42**
